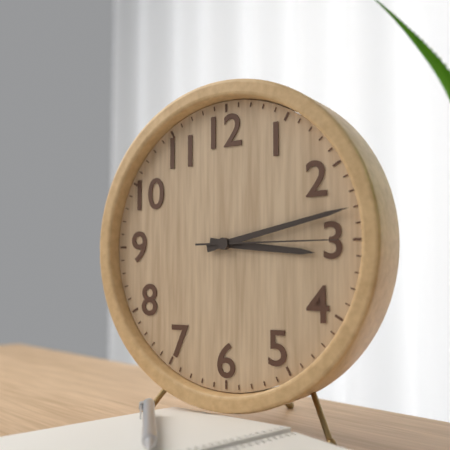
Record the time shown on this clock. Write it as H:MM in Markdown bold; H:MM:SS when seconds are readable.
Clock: **3:13:15**
